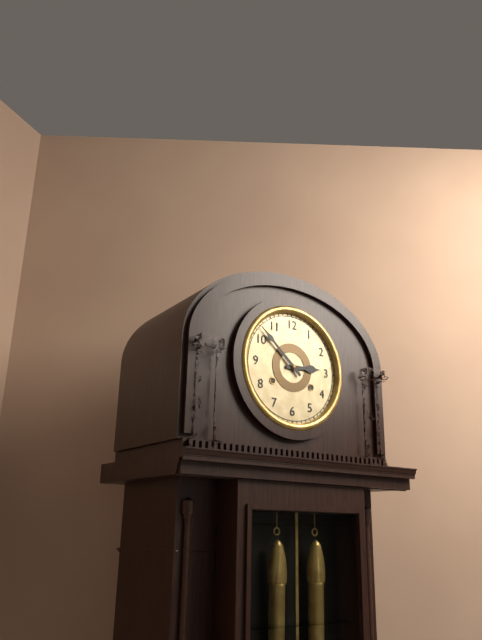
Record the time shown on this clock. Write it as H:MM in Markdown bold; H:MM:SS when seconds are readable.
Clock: **2:52**
